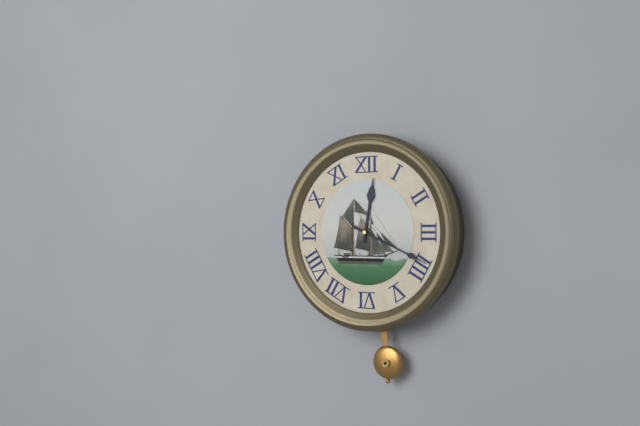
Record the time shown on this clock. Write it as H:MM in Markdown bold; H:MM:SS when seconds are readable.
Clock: **12:19**
